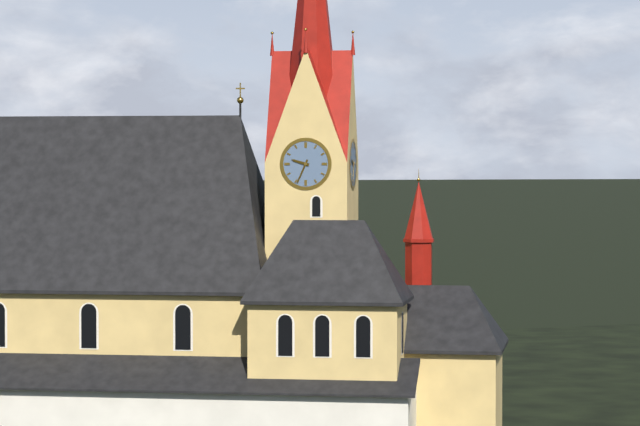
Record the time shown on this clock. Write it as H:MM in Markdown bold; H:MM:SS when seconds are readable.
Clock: **9:34**
